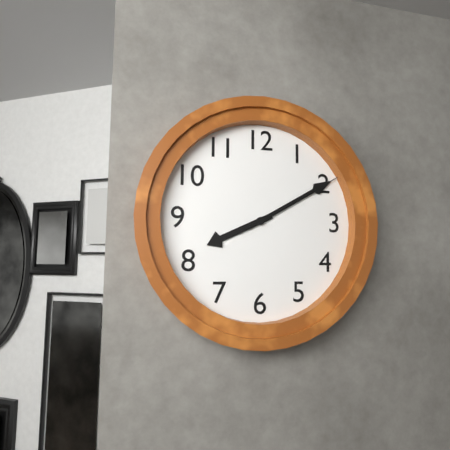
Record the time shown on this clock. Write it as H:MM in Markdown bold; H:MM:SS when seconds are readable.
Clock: **8:10:10**
